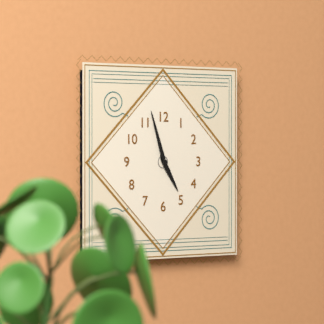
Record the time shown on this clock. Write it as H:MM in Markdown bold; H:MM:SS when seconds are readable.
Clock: **4:57**
